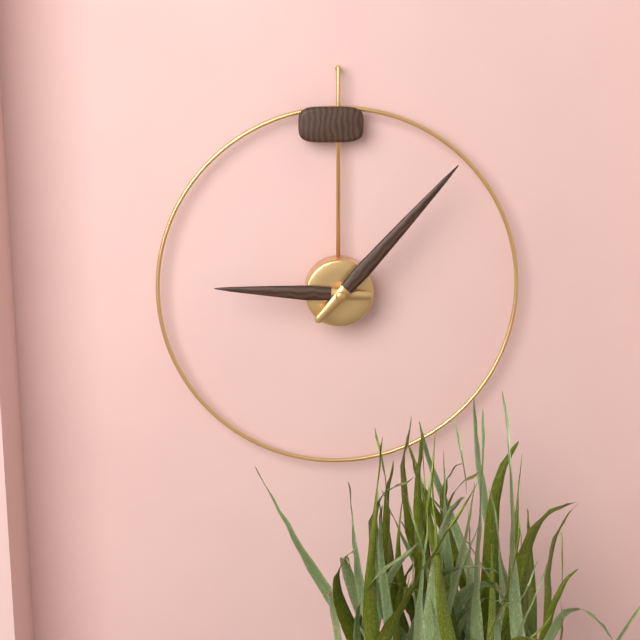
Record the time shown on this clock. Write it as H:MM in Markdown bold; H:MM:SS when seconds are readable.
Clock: **9:07**
